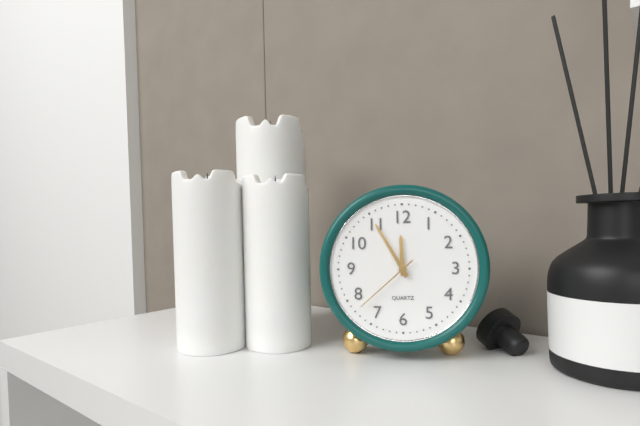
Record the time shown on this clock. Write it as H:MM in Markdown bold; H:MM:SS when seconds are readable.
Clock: **11:55:38**
